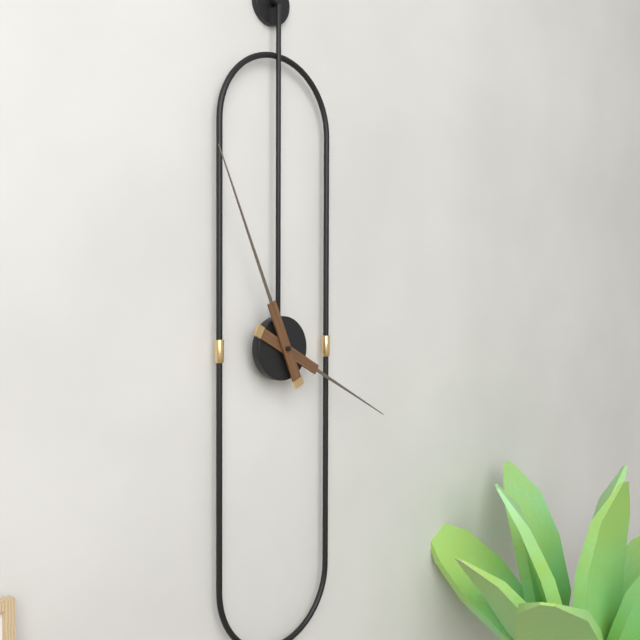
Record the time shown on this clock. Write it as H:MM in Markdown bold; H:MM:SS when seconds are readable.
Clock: **3:56**
